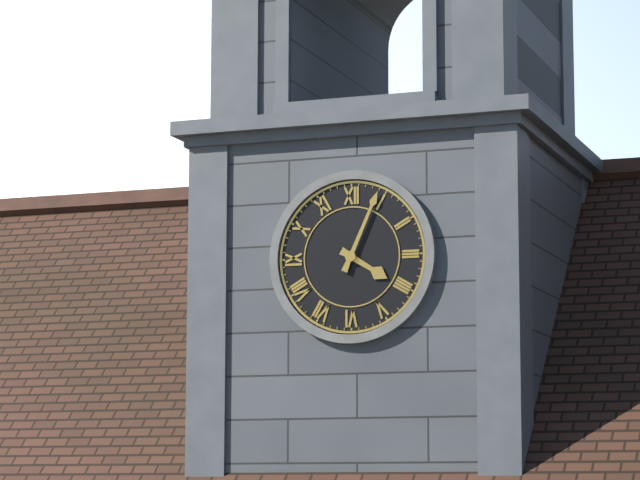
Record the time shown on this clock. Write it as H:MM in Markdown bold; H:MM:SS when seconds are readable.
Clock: **4:04**
